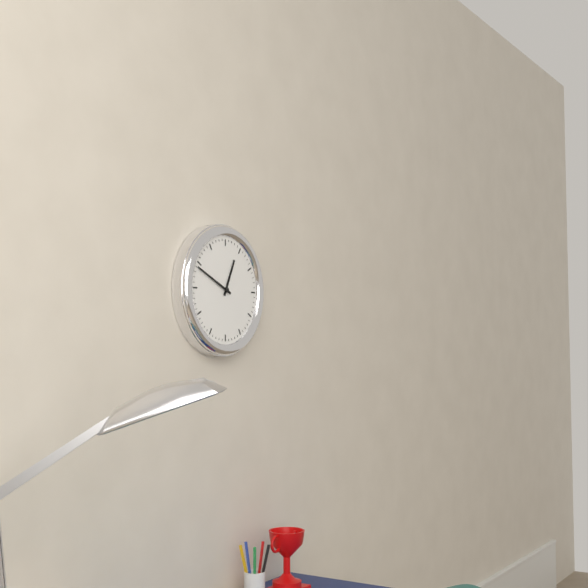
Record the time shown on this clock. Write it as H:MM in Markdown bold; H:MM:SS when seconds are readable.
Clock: **12:49**
